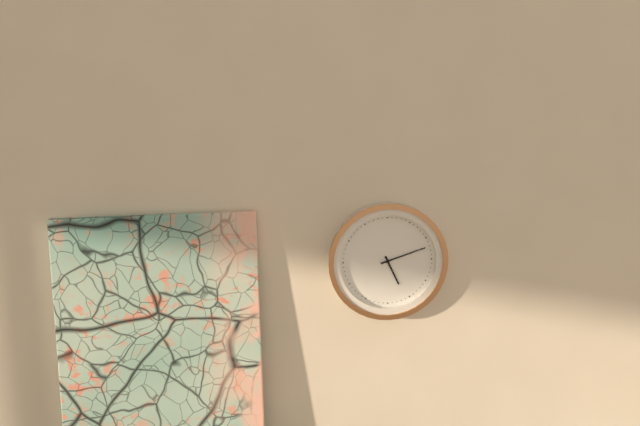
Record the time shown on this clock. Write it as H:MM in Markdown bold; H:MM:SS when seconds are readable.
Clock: **5:12**
